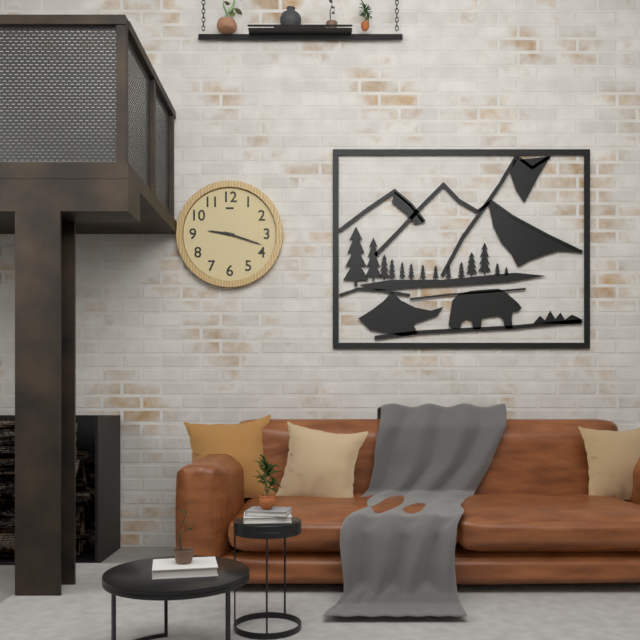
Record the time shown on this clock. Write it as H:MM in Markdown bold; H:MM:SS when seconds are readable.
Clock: **9:18**
